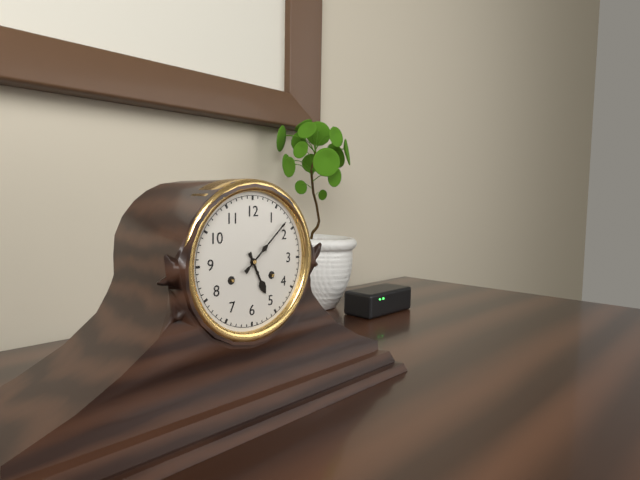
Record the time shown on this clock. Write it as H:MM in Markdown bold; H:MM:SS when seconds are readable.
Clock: **5:08**
